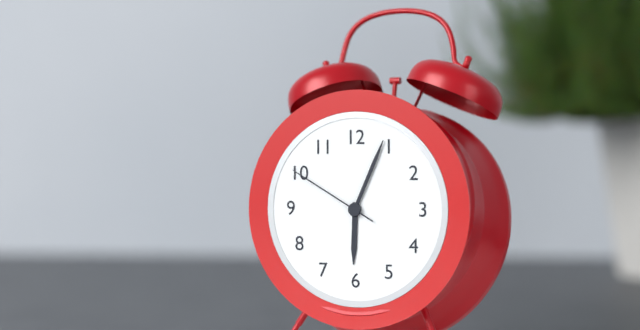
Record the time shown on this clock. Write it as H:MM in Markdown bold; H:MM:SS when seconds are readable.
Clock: **6:04:50**
